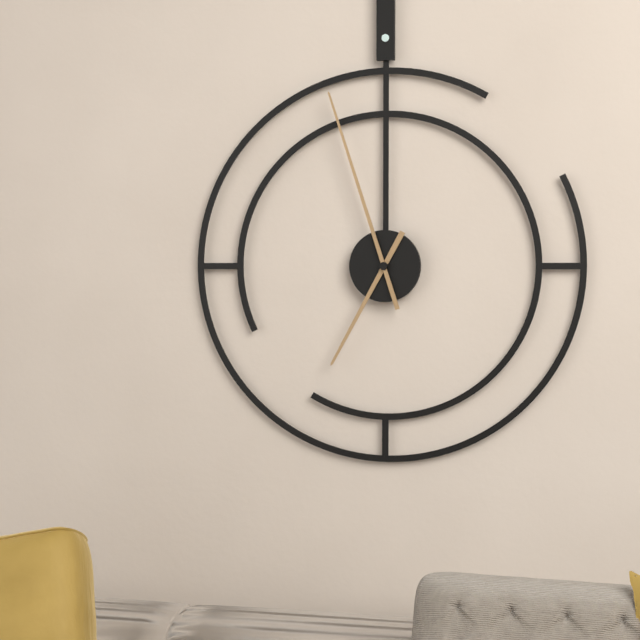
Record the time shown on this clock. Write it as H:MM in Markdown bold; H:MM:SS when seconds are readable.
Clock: **6:57**
